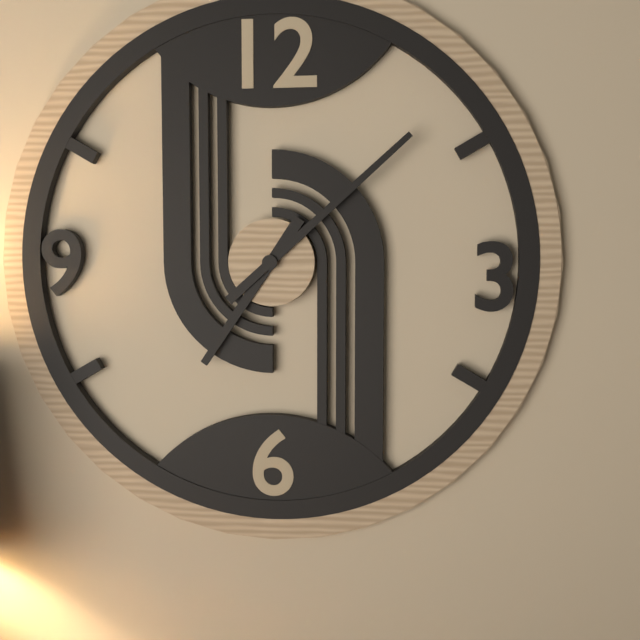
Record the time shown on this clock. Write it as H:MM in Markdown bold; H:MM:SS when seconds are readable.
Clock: **7:08**
